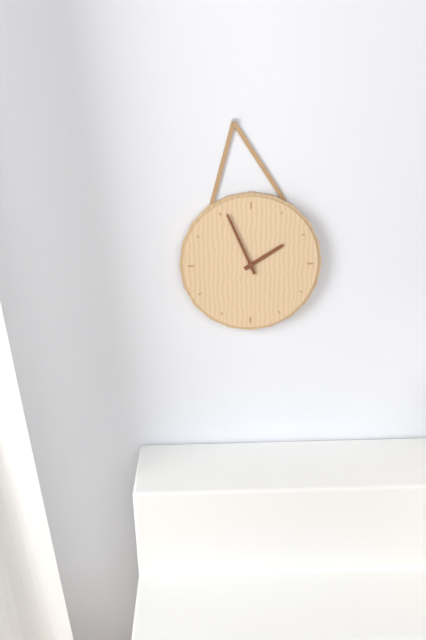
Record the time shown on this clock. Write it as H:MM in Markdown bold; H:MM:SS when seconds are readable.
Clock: **1:56**
